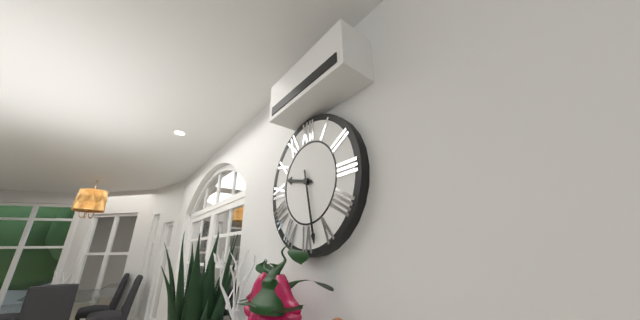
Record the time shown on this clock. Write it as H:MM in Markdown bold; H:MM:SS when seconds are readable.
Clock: **9:28**
